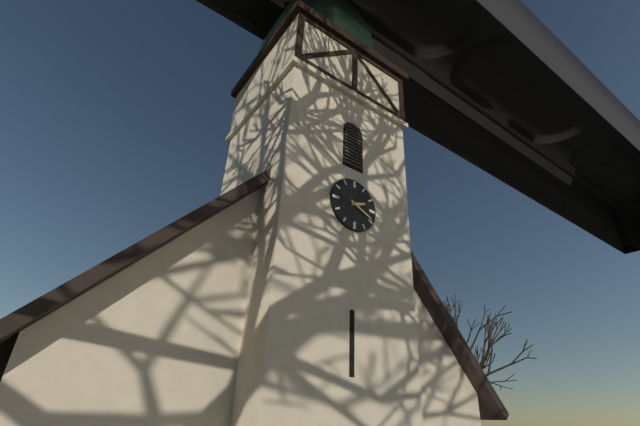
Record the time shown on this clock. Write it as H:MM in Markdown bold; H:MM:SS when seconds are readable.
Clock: **2:19**
